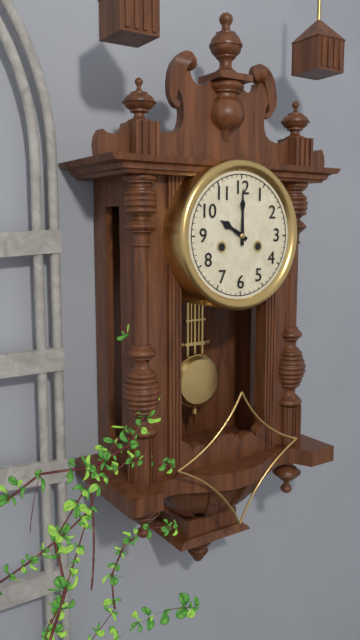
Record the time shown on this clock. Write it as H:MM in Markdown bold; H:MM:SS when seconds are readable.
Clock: **10:00**
